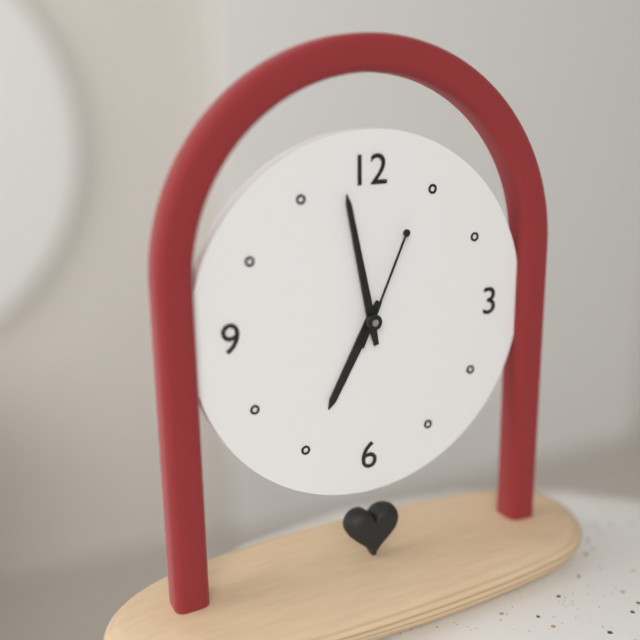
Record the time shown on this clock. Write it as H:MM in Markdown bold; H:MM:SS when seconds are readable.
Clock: **6:58:04**
